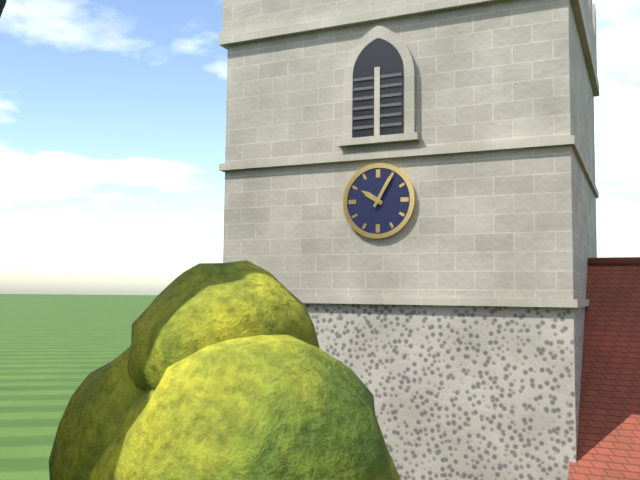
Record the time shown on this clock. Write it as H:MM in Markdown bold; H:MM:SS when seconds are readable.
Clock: **10:05**
